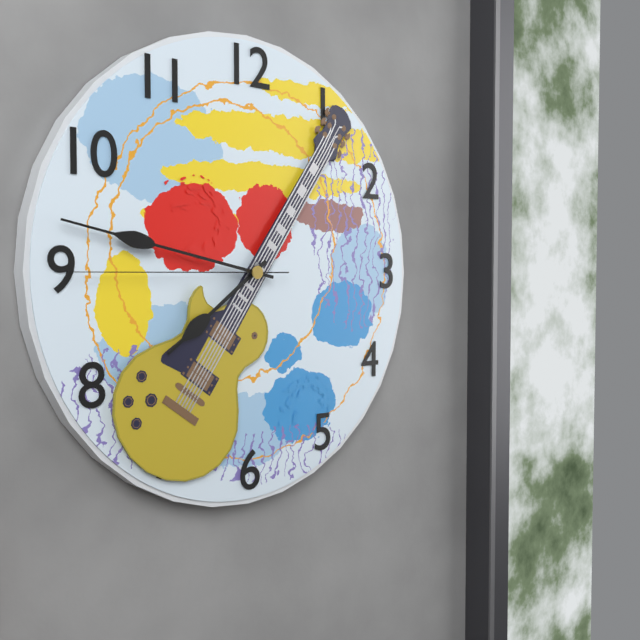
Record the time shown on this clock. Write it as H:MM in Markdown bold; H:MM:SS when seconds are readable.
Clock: **7:47:45**
